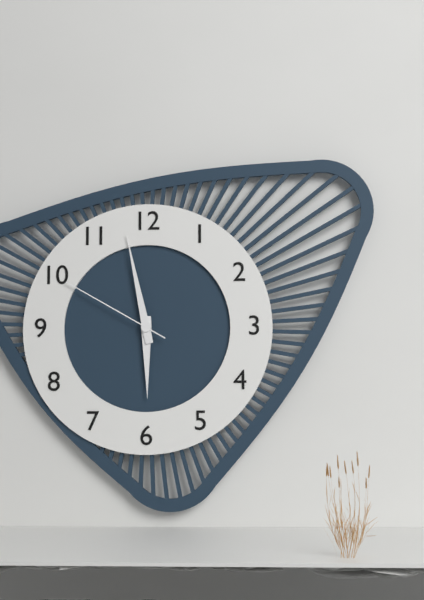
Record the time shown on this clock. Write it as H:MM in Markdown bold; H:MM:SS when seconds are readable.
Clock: **5:58:50**
